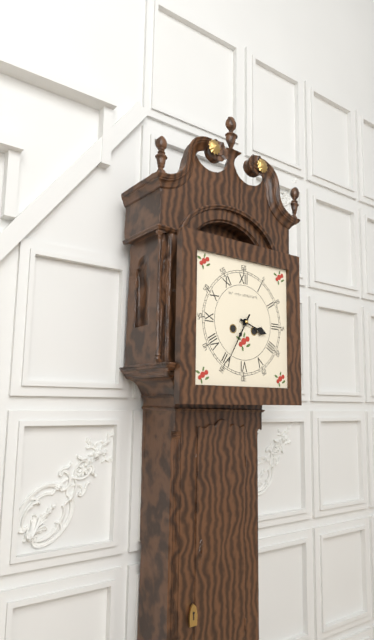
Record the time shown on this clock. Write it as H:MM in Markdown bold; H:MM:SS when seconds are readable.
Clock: **3:35**
